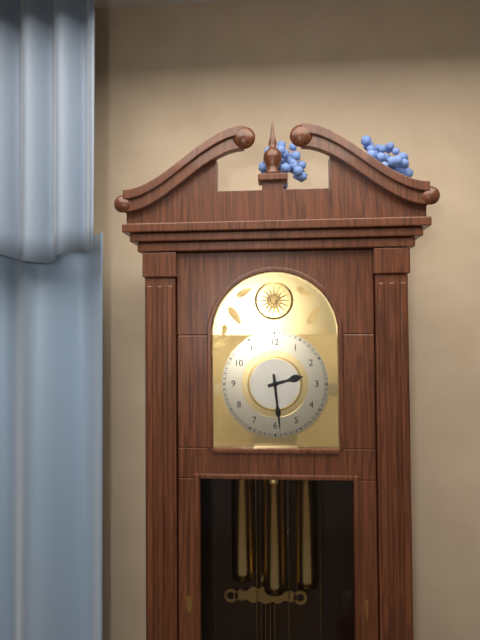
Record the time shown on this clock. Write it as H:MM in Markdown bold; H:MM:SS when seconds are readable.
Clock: **2:29**
